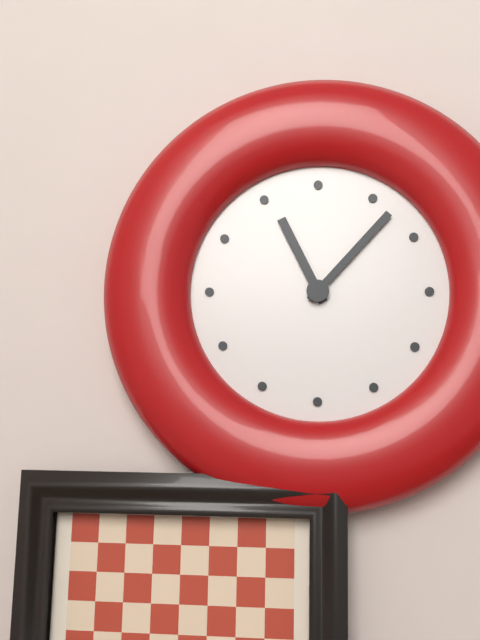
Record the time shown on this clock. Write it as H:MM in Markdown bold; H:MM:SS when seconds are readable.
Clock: **11:07**
